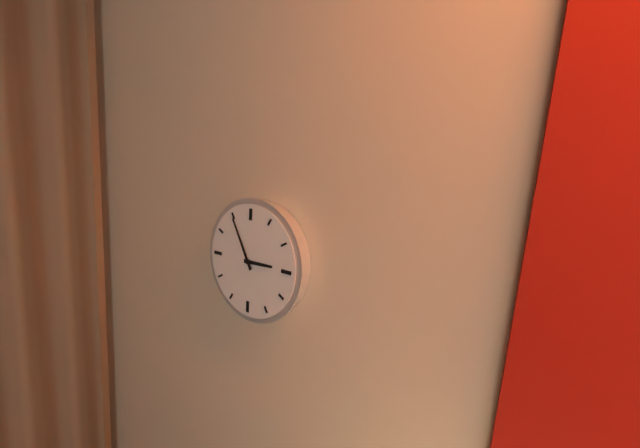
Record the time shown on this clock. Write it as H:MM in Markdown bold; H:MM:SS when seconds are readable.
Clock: **2:55**
